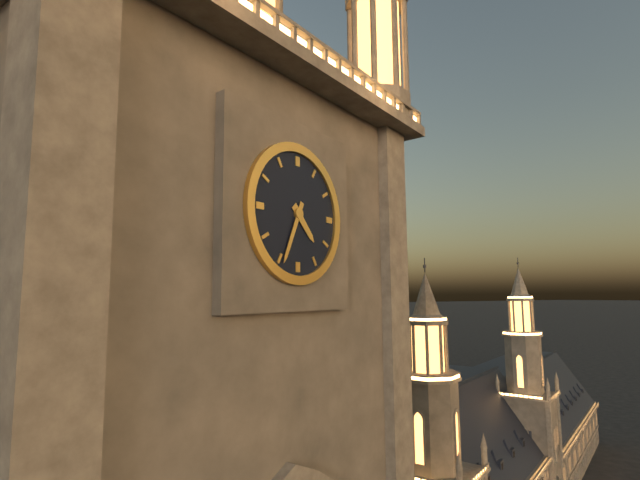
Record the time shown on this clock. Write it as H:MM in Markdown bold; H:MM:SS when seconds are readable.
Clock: **4:34**
